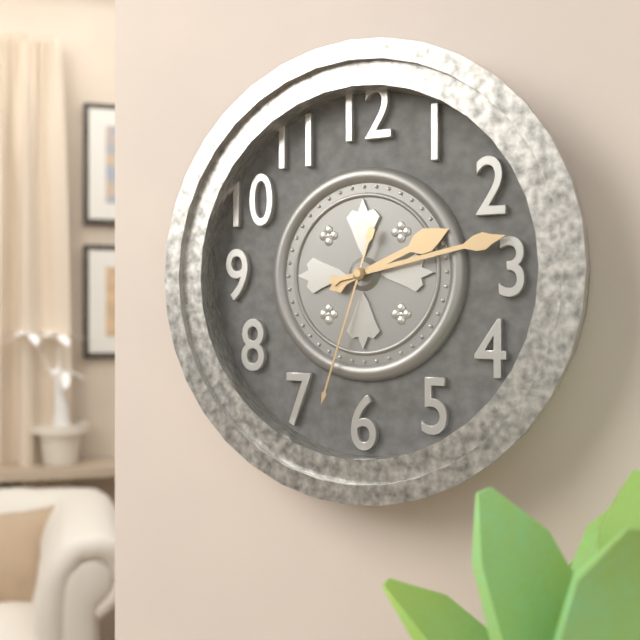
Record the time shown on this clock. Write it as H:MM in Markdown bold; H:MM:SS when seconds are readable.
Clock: **2:13:33**
